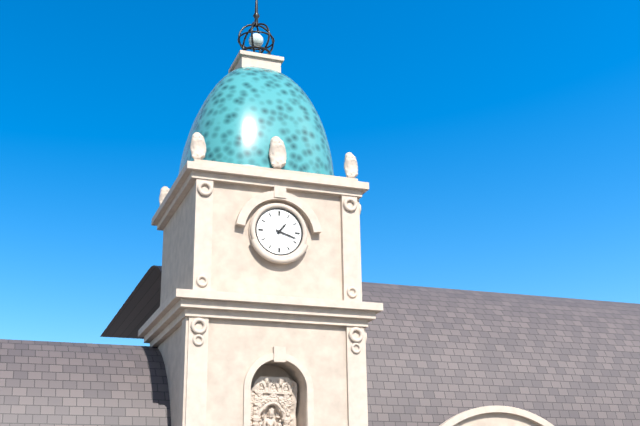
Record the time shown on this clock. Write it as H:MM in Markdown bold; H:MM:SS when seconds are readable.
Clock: **1:18**
